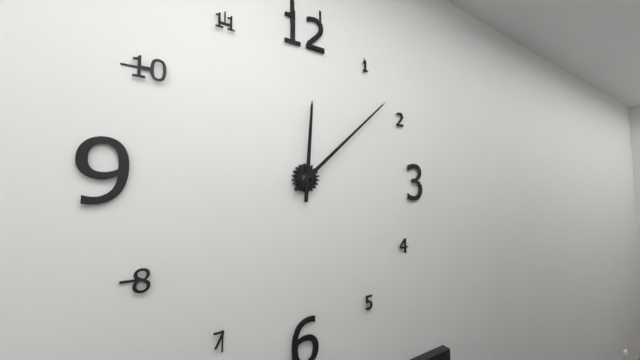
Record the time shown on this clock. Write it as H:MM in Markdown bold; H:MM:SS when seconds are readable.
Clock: **12:08**
